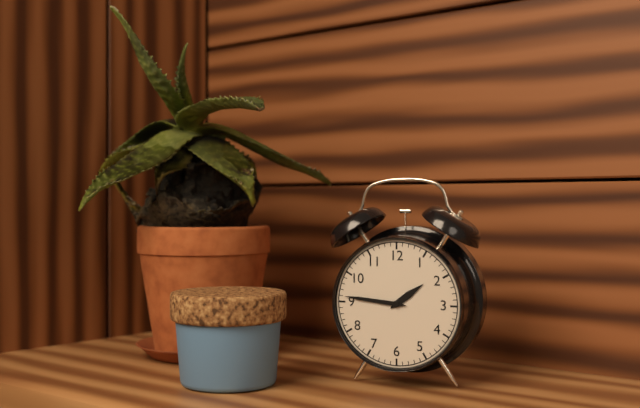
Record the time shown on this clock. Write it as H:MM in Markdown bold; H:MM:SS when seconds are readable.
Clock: **1:46**
